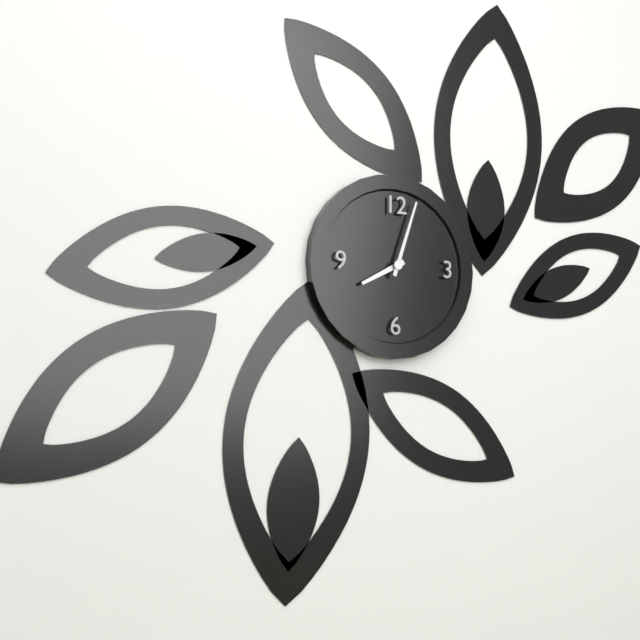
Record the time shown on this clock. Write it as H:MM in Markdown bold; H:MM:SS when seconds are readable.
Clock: **8:03**
